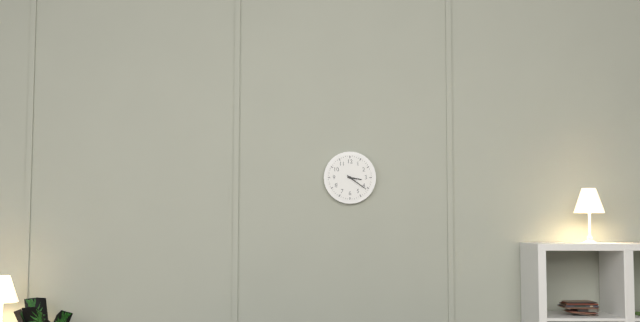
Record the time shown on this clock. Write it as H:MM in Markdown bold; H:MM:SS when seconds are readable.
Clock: **3:21**
